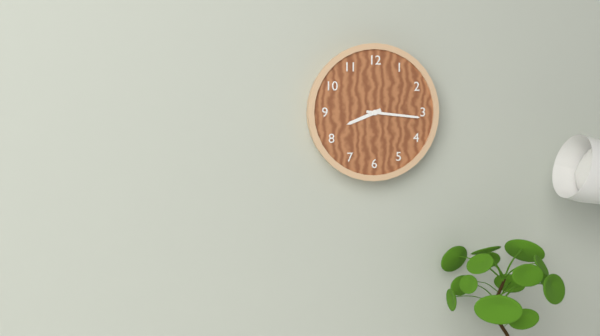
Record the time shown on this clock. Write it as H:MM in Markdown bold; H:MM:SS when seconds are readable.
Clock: **8:16**
